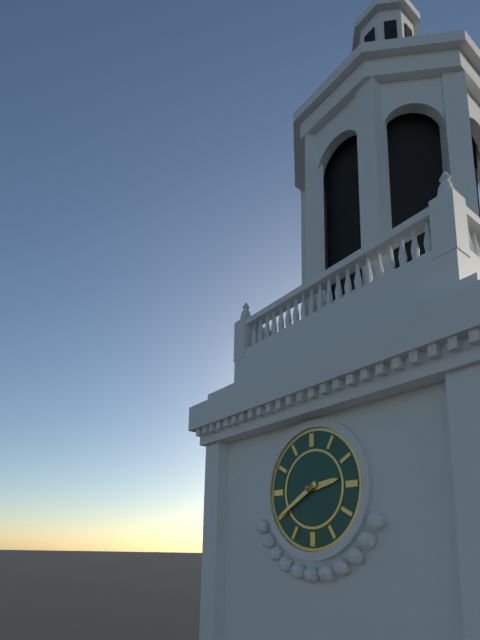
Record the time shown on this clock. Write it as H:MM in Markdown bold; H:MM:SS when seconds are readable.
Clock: **2:40**
